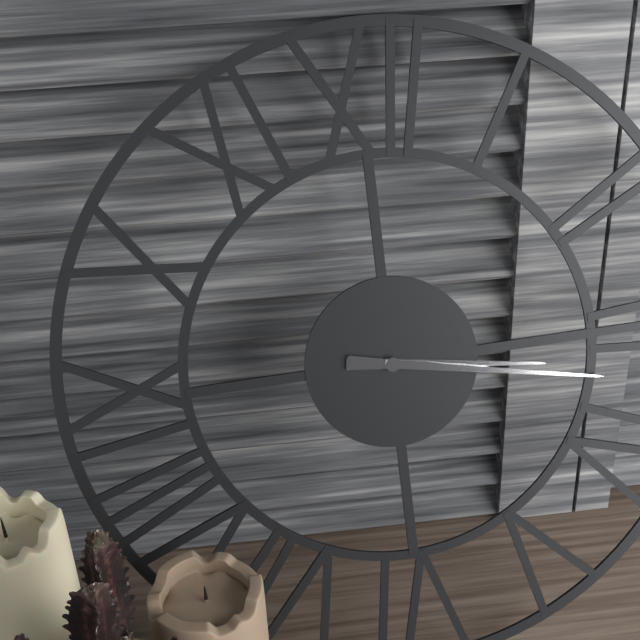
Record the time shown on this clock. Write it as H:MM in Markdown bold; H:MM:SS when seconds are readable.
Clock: **3:17**
